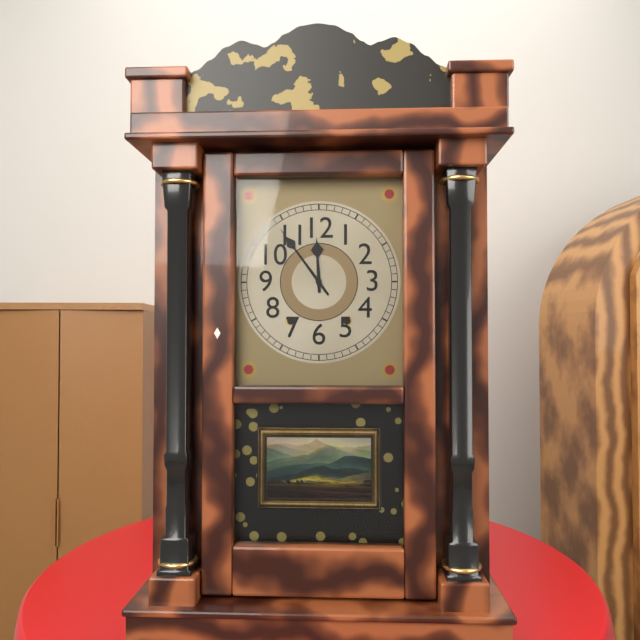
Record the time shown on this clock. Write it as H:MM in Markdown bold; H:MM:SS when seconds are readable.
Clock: **11:54**
